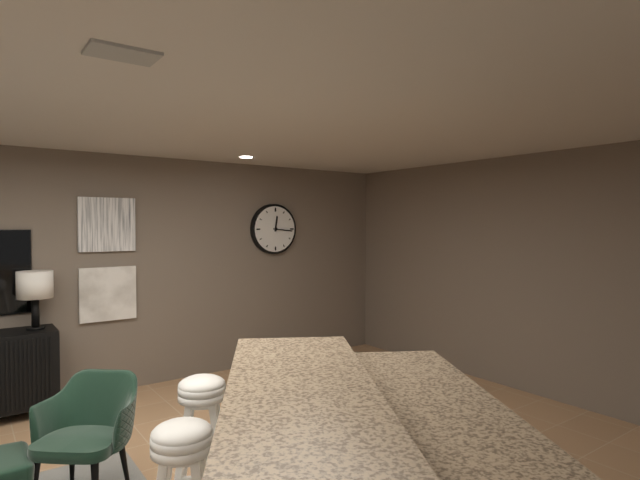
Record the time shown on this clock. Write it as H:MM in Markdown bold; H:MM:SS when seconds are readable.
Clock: **12:16**
